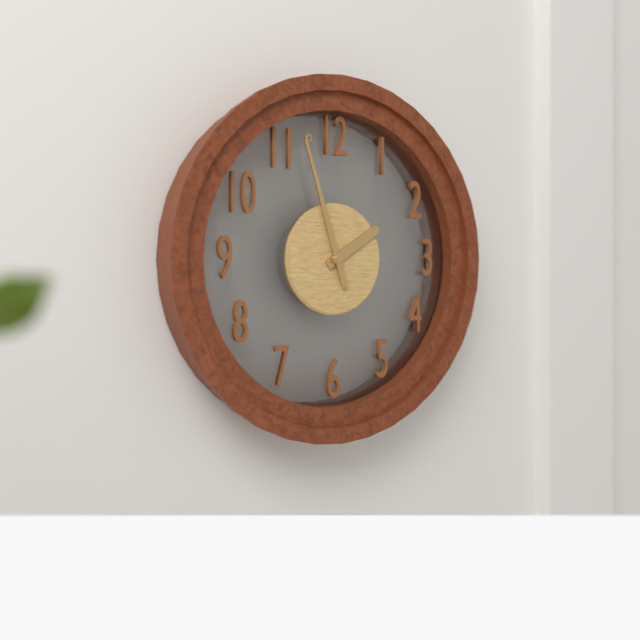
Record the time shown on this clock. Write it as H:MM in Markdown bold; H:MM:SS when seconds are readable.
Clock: **1:57**
